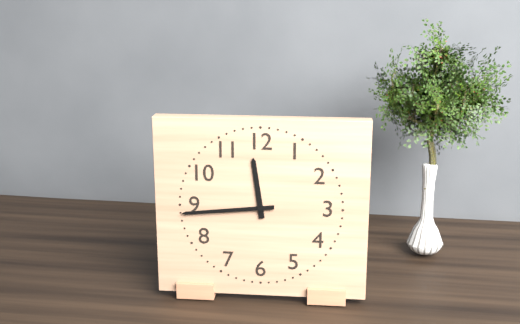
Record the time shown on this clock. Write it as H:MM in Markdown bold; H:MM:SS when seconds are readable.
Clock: **11:44**
